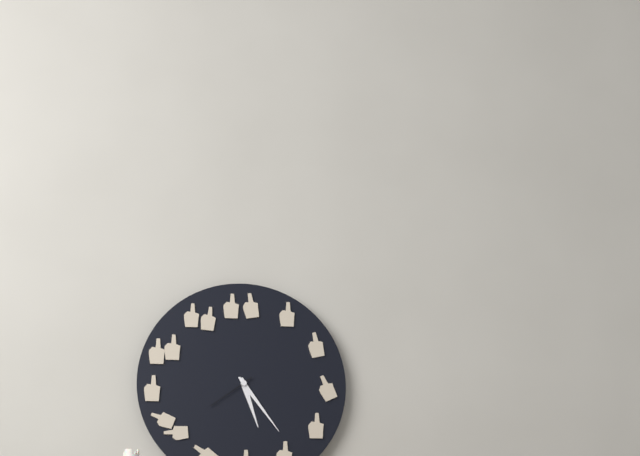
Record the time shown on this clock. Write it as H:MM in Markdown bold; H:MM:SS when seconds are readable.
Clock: **5:24**
